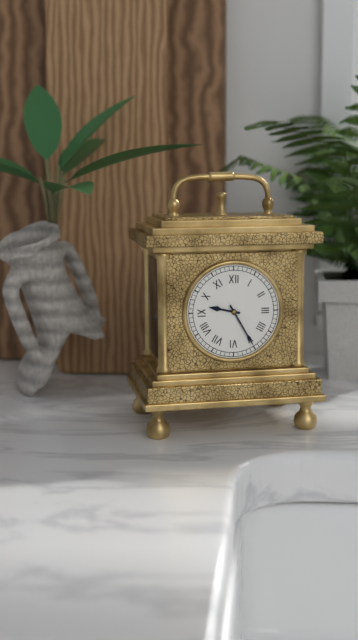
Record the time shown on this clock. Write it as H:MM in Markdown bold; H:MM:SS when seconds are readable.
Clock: **9:25**
